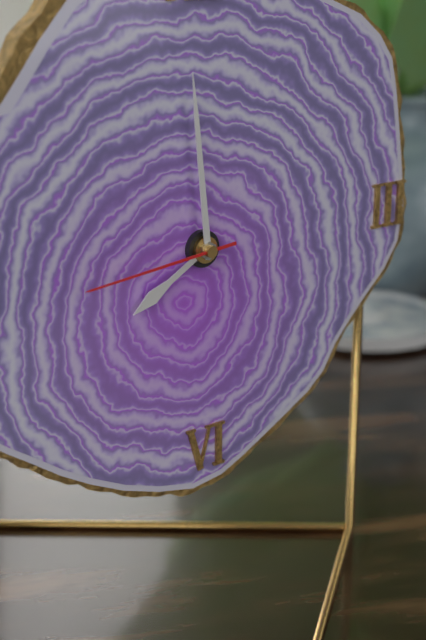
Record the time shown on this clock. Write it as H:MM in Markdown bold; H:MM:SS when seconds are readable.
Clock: **7:59:44**
